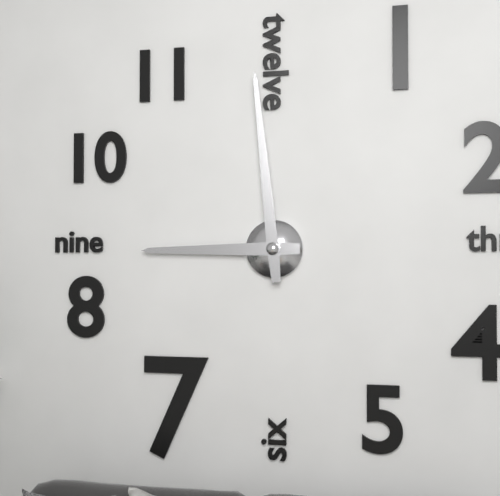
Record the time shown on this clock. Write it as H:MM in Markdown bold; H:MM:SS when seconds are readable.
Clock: **8:59**
